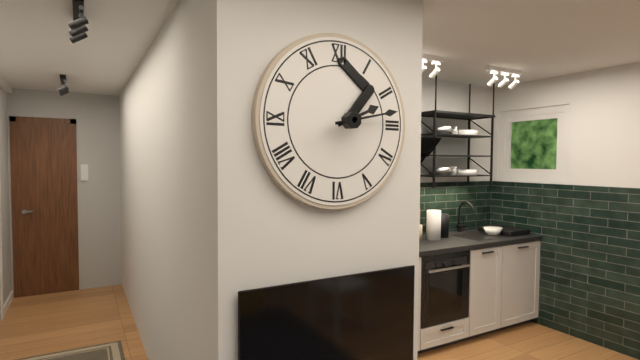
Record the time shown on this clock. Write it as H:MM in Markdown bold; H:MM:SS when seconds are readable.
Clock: **2:13**
